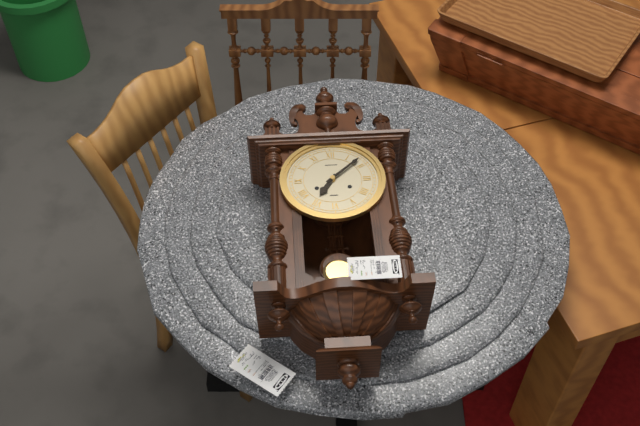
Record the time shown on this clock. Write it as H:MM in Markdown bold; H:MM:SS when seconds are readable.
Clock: **7:08**
